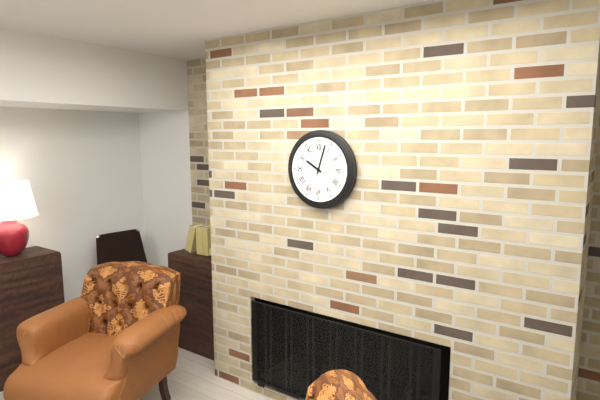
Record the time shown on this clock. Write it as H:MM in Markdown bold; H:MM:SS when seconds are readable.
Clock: **10:03**
